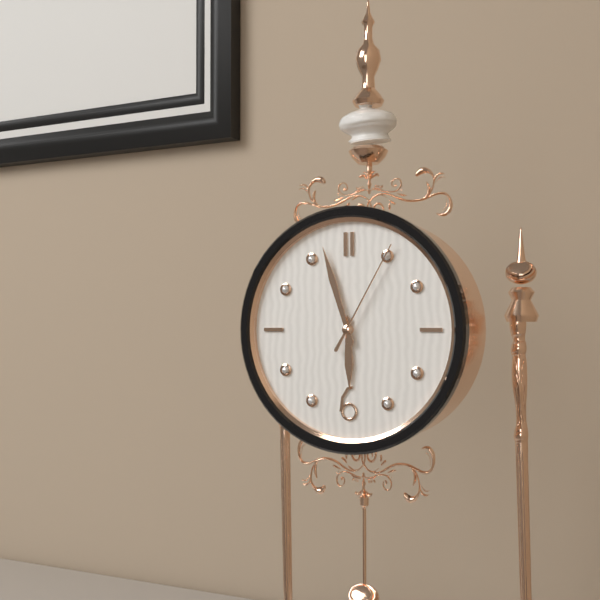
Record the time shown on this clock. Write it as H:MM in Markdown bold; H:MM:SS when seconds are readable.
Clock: **5:57:05**
